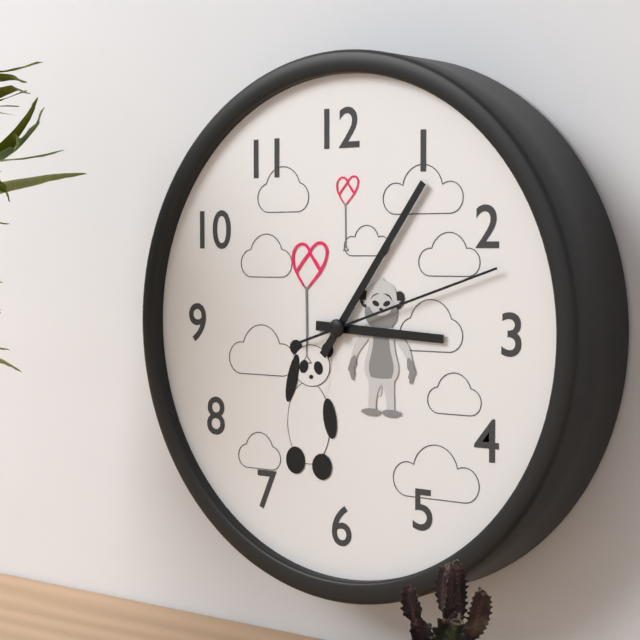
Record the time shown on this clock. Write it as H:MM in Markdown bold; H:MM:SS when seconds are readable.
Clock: **3:06:12**
